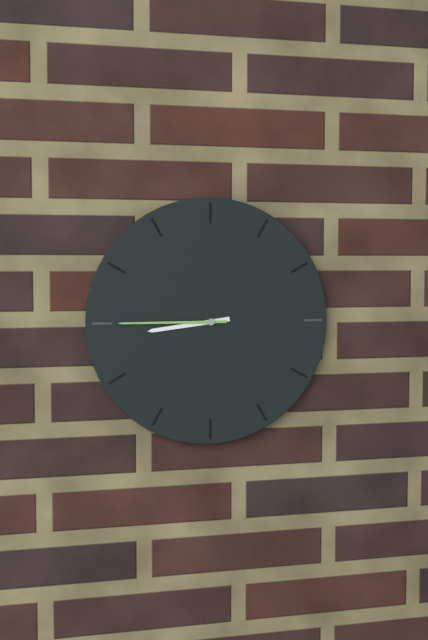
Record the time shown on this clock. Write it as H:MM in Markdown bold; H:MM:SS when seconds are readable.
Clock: **8:45**
